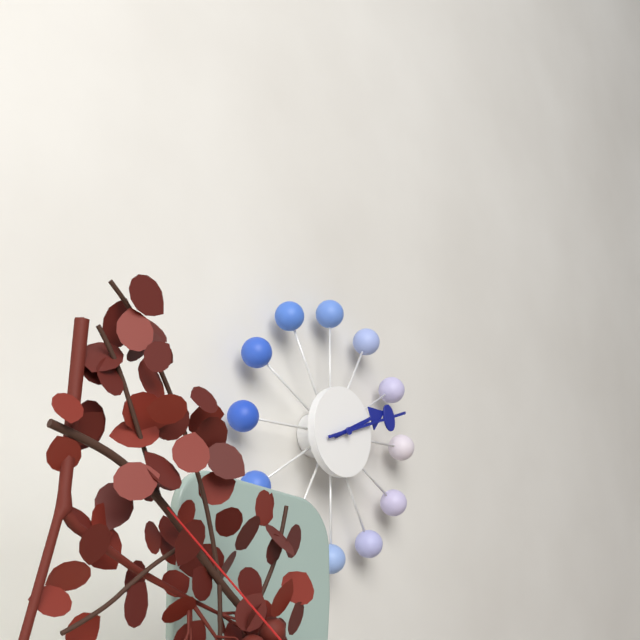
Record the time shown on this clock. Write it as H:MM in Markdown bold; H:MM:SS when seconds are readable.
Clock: **2:12**
